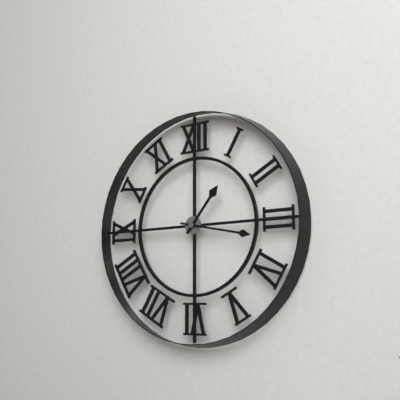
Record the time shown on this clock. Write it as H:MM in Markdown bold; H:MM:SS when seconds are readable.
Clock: **1:17**
